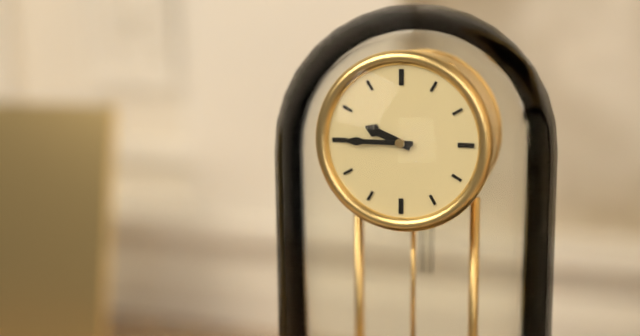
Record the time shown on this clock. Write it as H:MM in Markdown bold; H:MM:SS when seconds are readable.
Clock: **9:45**
